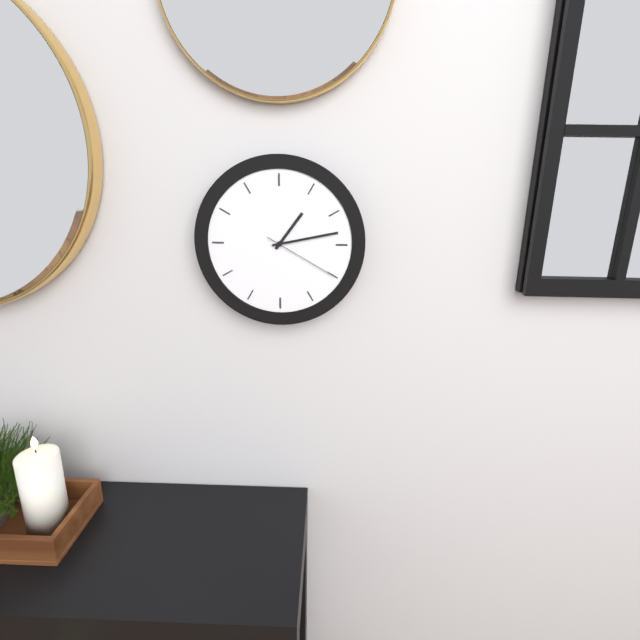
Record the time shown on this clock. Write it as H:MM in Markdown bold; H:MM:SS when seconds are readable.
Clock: **1:13:20**
